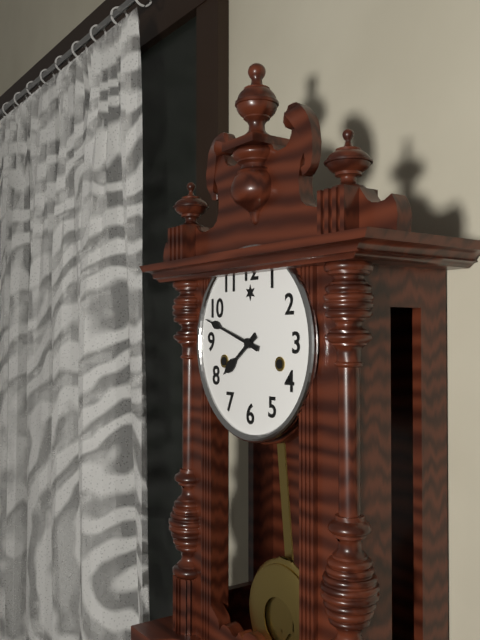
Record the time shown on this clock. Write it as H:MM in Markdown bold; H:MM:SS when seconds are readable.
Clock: **7:48**
